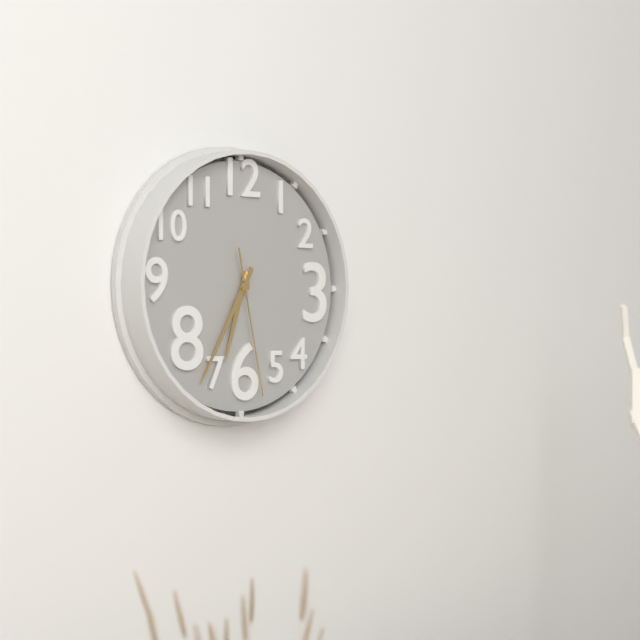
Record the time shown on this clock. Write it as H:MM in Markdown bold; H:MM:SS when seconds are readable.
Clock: **6:35:28**
